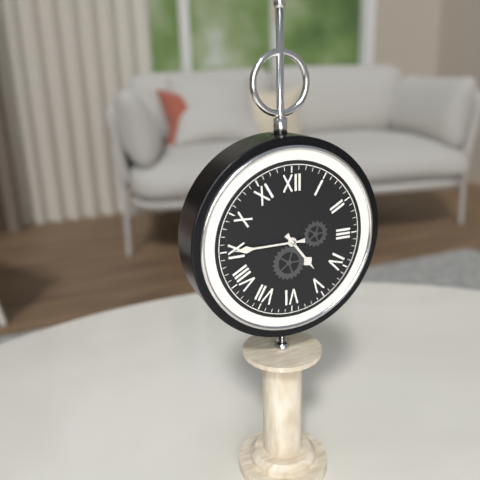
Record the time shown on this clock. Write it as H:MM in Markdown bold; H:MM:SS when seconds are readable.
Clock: **4:45**
